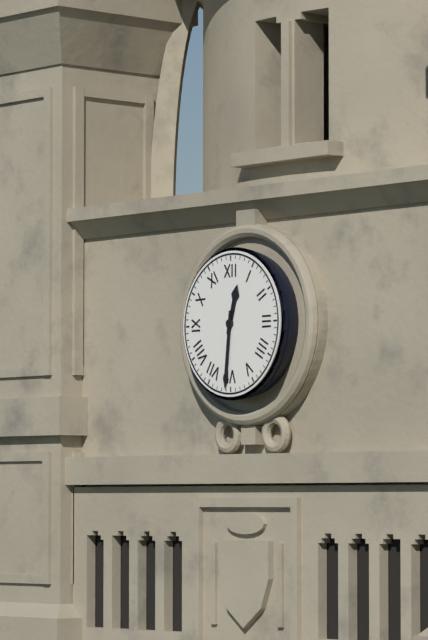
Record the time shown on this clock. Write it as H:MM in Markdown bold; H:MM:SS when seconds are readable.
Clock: **12:31**
